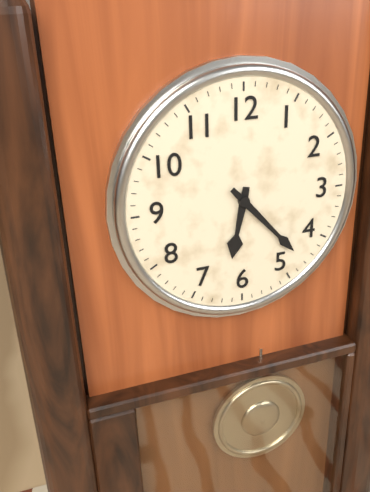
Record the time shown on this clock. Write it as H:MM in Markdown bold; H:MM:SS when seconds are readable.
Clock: **6:23**
